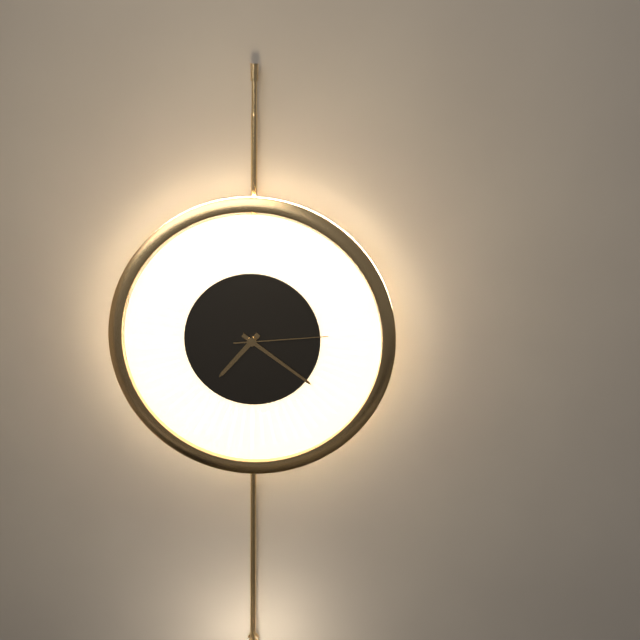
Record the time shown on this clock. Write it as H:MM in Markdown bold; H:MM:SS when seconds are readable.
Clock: **7:21:14**
